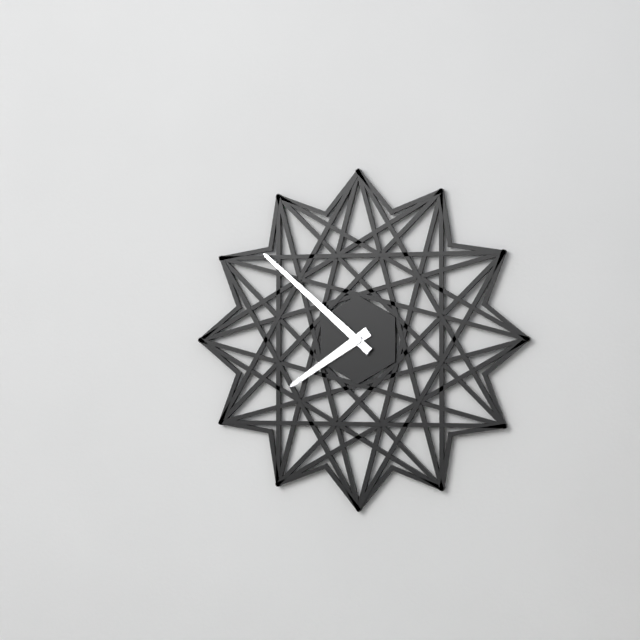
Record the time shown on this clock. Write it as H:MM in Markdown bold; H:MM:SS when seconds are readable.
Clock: **7:52**
